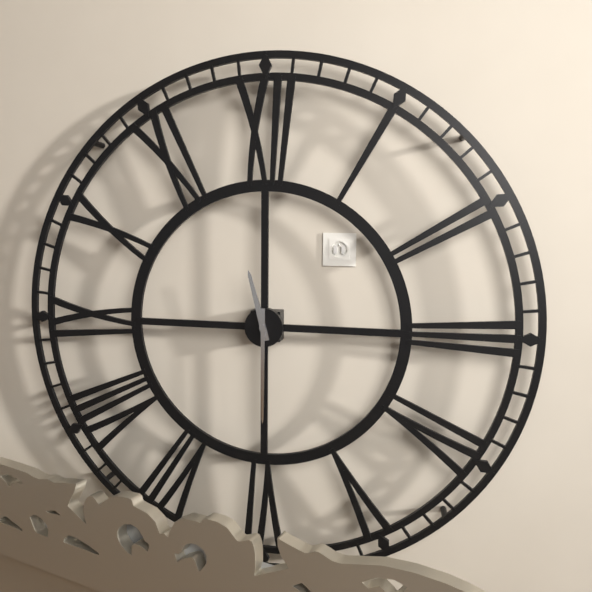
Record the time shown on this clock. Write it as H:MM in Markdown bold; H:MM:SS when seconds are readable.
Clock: **11:30**
